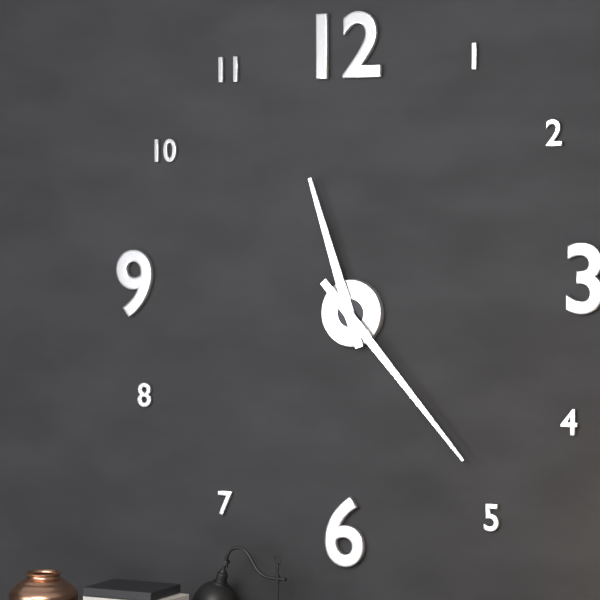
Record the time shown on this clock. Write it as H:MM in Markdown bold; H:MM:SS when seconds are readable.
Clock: **11:23**
